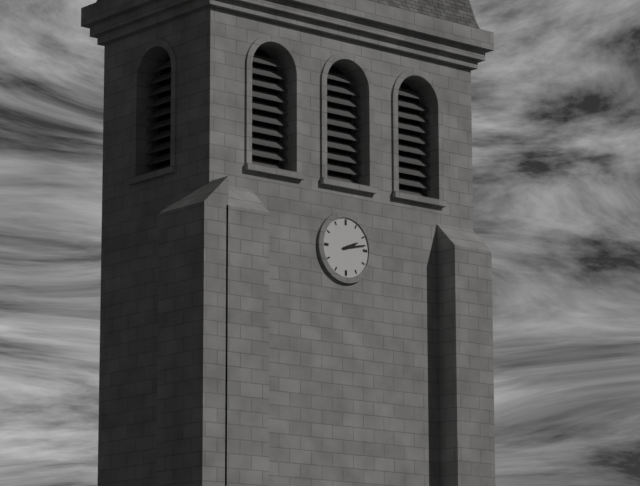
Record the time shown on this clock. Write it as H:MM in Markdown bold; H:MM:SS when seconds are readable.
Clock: **2:13**
